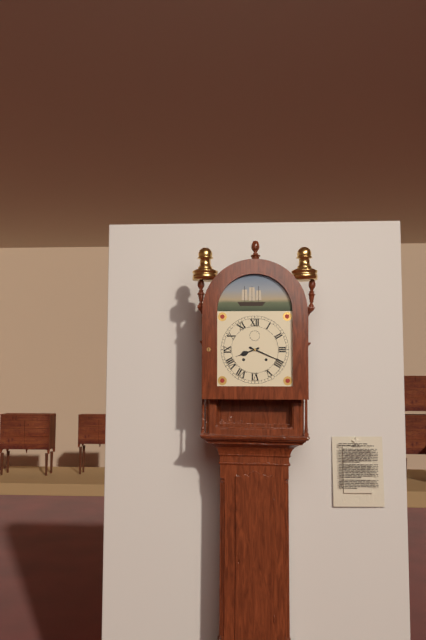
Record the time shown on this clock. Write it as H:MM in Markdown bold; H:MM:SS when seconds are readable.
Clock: **8:19**
